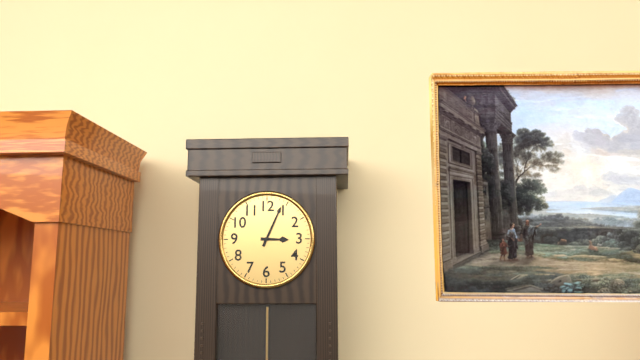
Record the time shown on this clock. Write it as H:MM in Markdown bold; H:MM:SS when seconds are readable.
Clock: **3:04**
